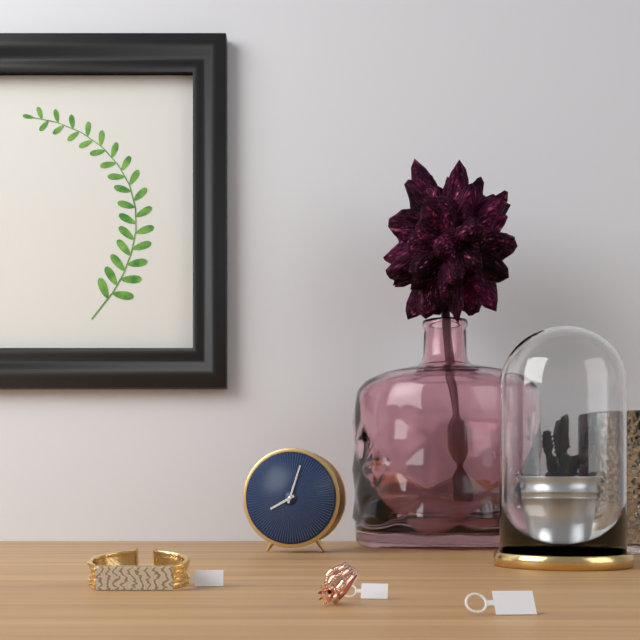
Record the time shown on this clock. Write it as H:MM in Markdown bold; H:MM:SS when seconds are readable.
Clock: **8:03**
